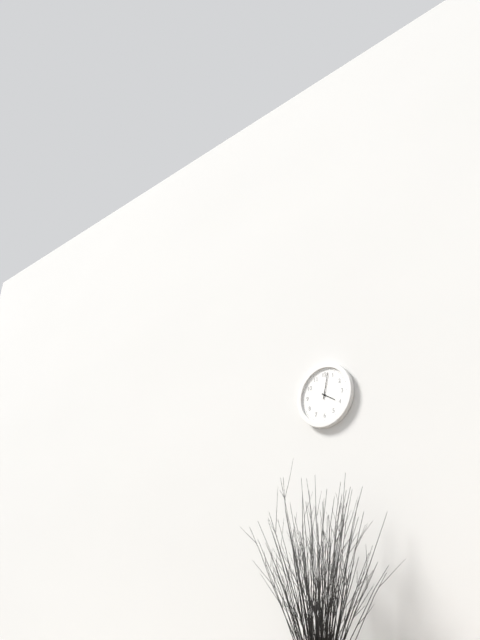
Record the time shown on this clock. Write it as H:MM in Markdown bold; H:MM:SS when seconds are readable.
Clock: **4:02**
